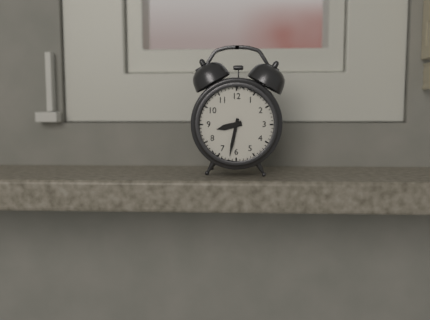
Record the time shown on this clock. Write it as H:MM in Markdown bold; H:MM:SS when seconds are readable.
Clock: **8:32**
